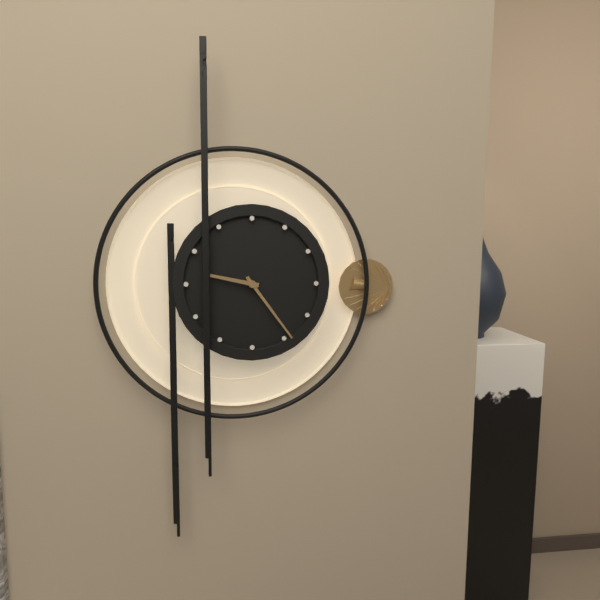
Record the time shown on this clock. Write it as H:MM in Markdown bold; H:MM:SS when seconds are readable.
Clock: **9:24**
